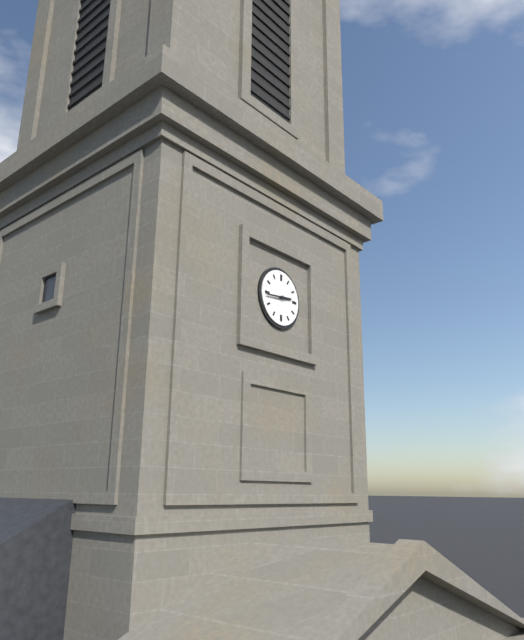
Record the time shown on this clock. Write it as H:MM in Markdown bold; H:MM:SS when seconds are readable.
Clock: **2:44**
